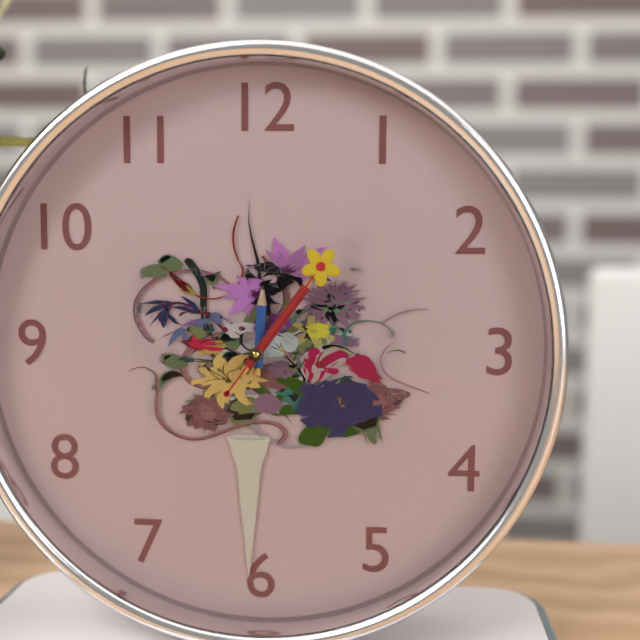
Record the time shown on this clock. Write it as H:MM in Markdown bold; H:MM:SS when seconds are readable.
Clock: **12:06:06**
